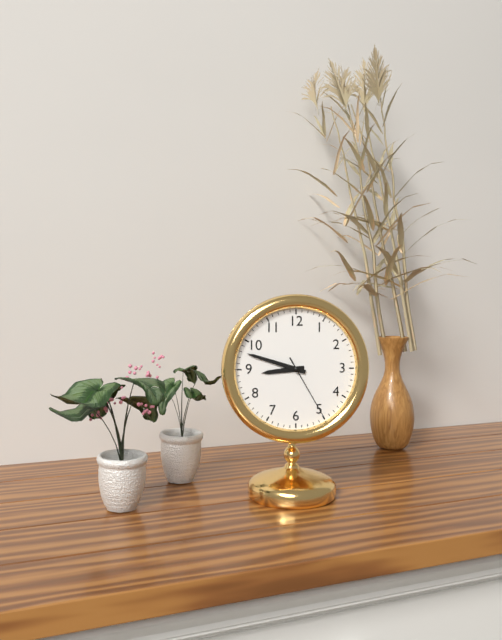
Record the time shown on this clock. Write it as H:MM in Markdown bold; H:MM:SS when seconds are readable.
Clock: **8:48:25**
